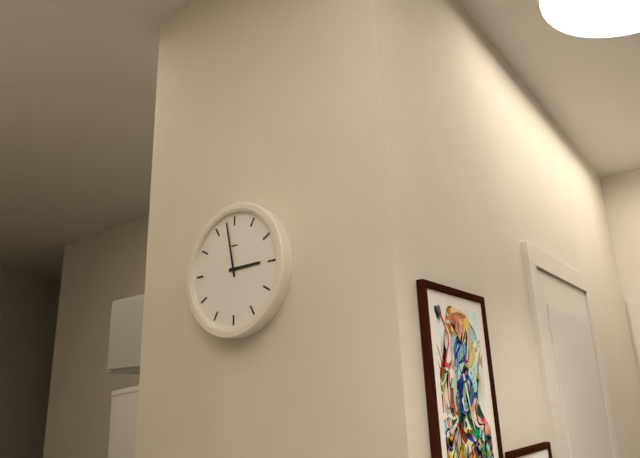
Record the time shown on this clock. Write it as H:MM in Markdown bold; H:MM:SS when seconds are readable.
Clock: **2:58**
